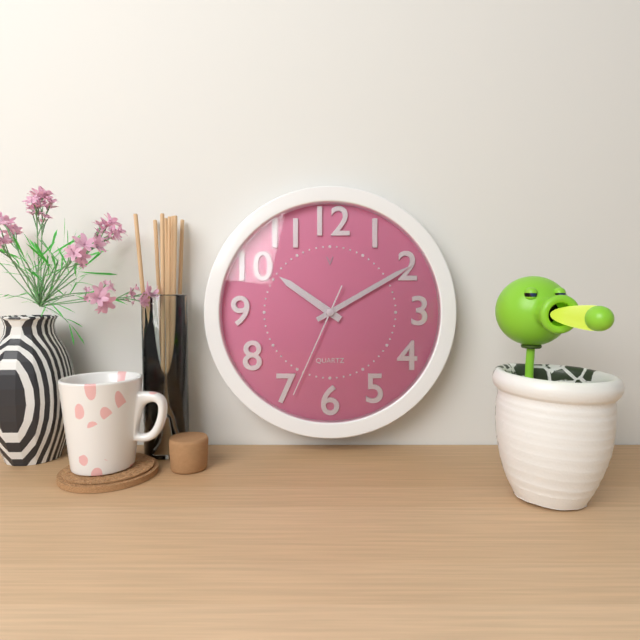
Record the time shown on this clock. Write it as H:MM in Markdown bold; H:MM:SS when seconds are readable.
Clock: **10:10:34**
